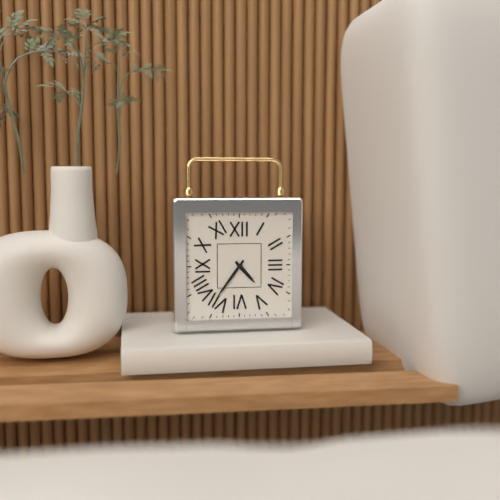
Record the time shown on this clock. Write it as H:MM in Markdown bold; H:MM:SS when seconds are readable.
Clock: **4:36**
